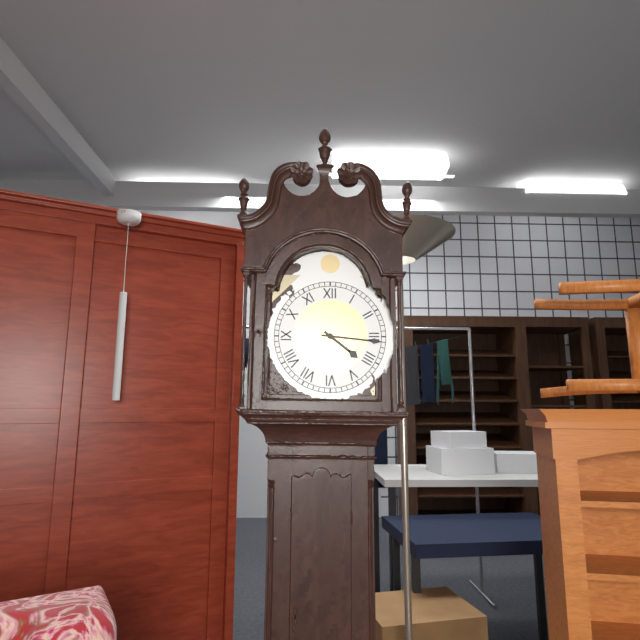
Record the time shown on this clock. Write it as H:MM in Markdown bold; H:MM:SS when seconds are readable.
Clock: **4:16**
